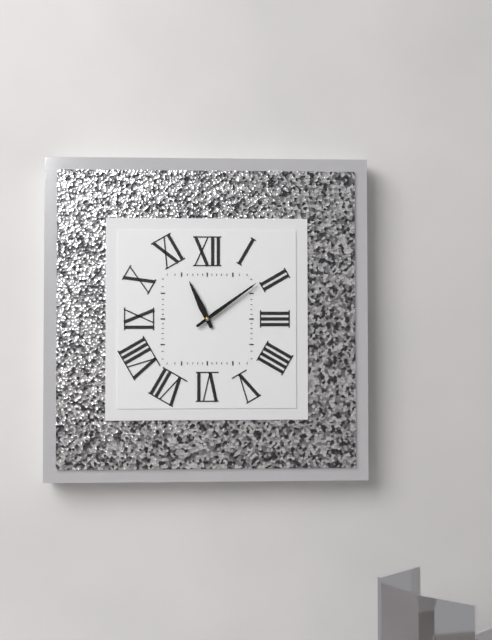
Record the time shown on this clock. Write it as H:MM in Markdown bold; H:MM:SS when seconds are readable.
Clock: **11:09**
